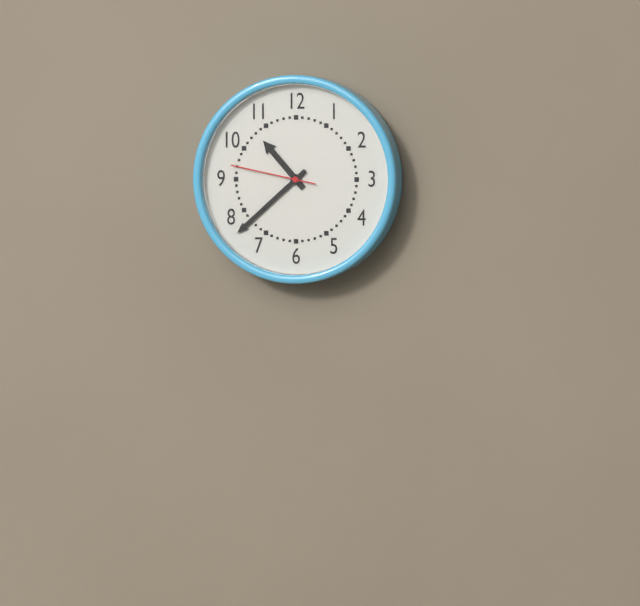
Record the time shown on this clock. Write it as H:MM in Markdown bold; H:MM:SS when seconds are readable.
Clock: **10:38:47**
